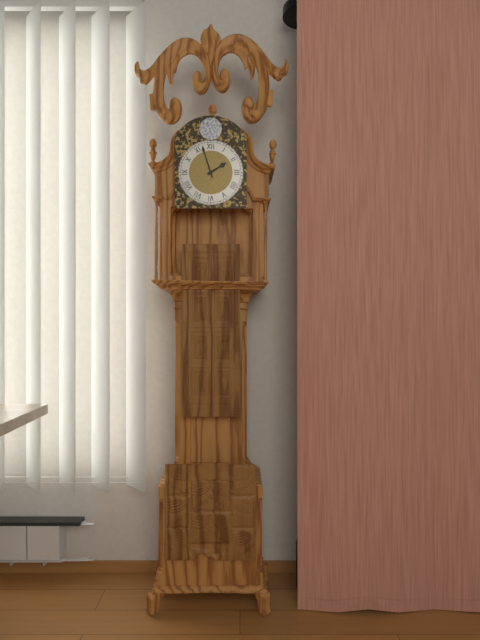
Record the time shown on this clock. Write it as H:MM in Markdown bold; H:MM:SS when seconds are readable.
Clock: **1:57**
